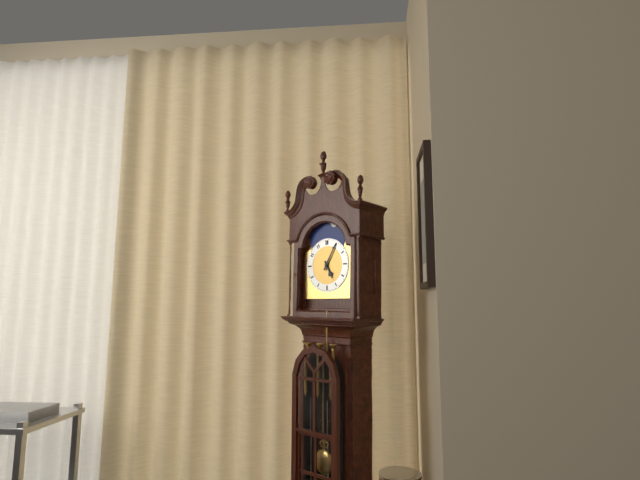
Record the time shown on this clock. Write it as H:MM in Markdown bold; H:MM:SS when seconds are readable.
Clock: **5:05**
